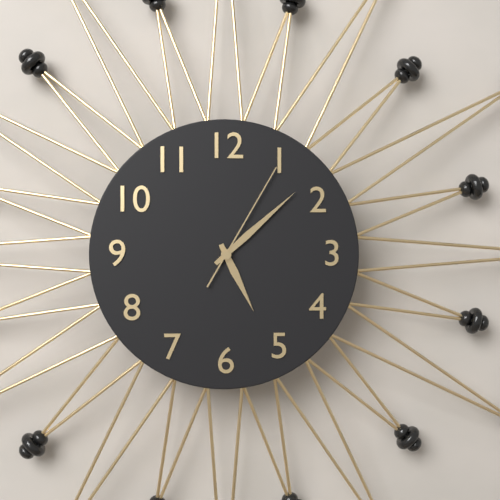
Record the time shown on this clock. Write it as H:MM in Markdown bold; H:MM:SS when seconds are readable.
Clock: **5:08:05**
